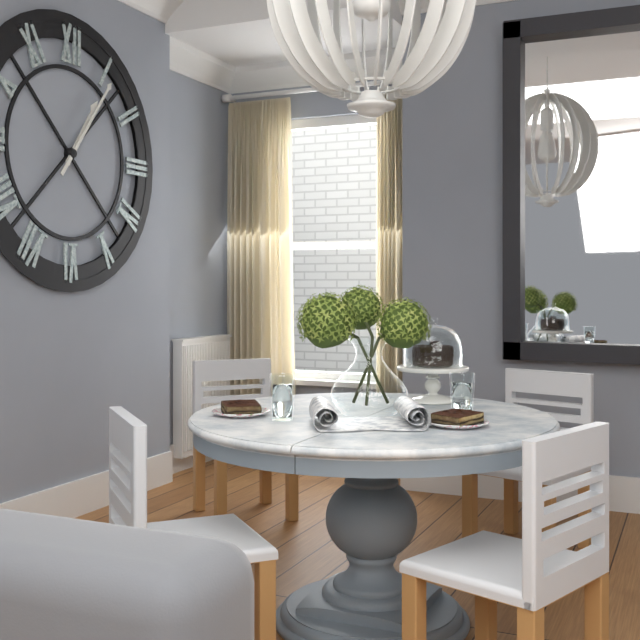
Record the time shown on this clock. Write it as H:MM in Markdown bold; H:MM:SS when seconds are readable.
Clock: **1:06**
